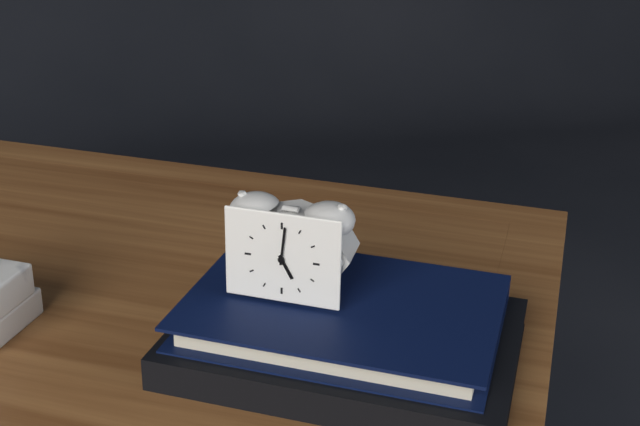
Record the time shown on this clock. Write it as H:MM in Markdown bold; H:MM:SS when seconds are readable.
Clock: **5:01**
